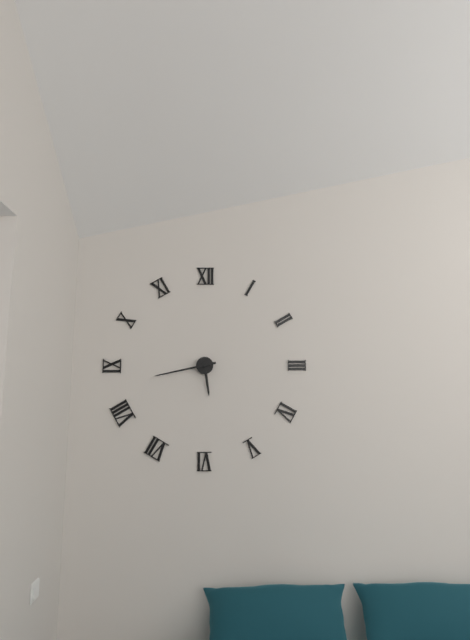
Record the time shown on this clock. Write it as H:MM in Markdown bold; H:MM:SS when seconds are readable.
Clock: **5:43**
